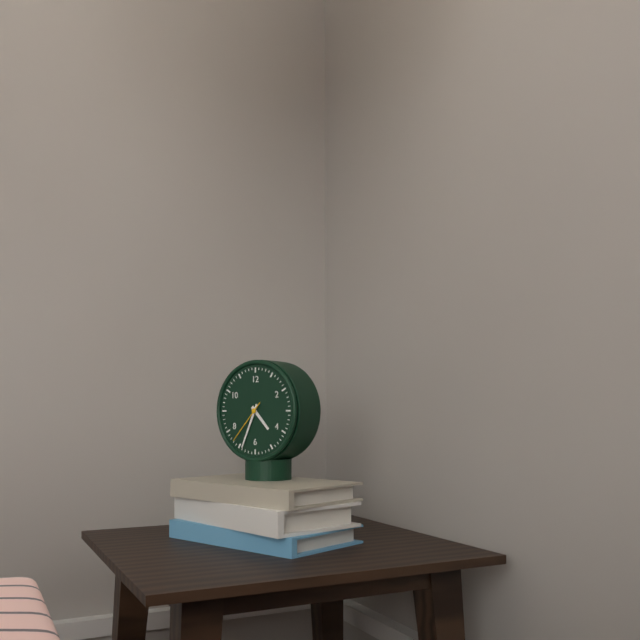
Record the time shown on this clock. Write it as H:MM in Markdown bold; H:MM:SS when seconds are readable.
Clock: **4:34**
